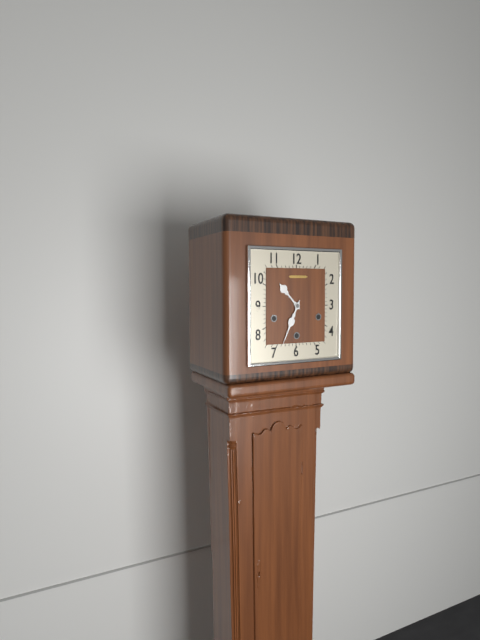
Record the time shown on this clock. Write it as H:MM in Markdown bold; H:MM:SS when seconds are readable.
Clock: **10:34**
